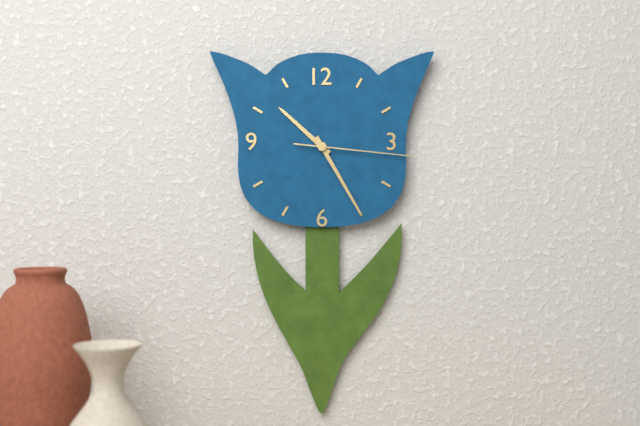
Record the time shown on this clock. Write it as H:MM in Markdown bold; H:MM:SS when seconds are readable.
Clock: **10:25:16**
